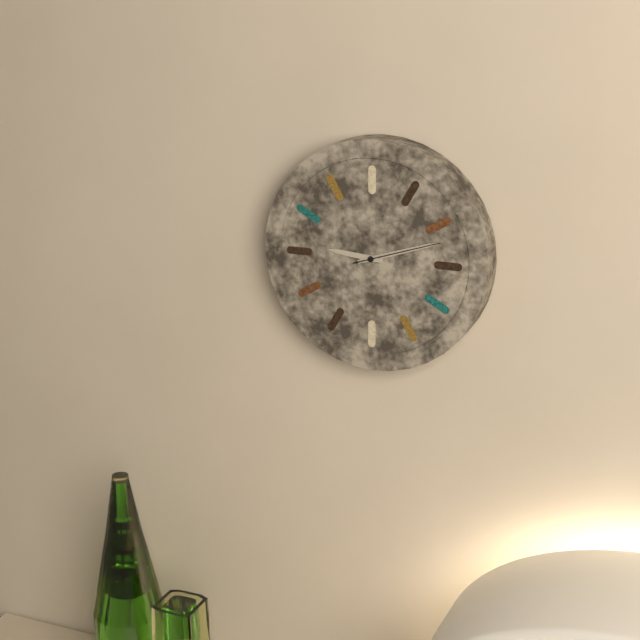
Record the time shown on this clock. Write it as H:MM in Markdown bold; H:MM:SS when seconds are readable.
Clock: **9:12:12**
